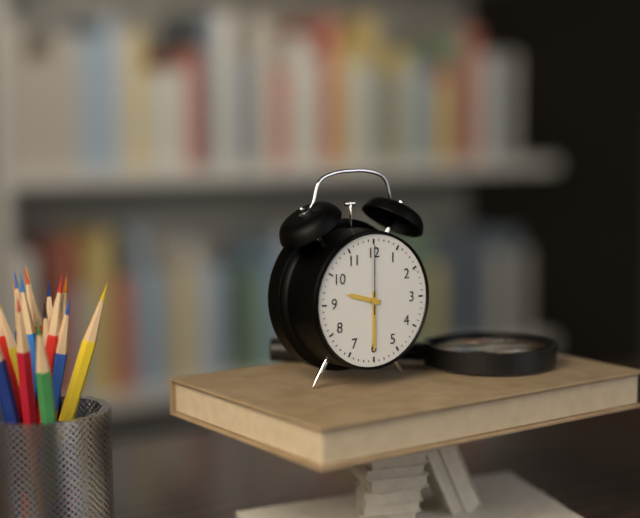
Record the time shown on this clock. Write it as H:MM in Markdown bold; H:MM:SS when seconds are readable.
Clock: **9:30:00**
